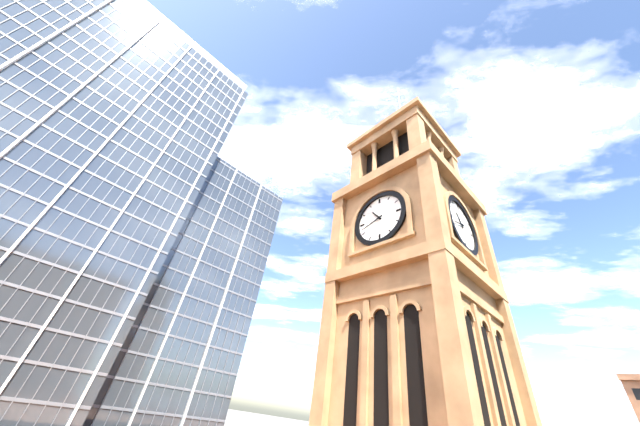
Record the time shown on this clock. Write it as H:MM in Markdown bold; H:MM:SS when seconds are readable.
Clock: **10:42**
